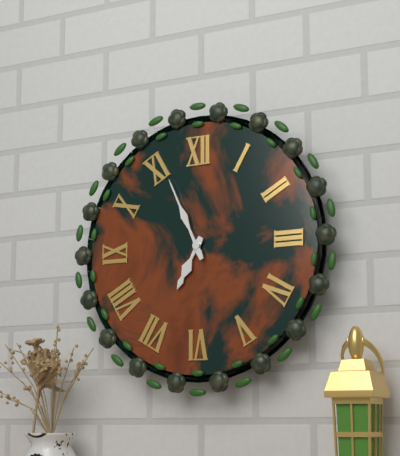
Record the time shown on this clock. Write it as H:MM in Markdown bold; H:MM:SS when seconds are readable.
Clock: **6:56**
